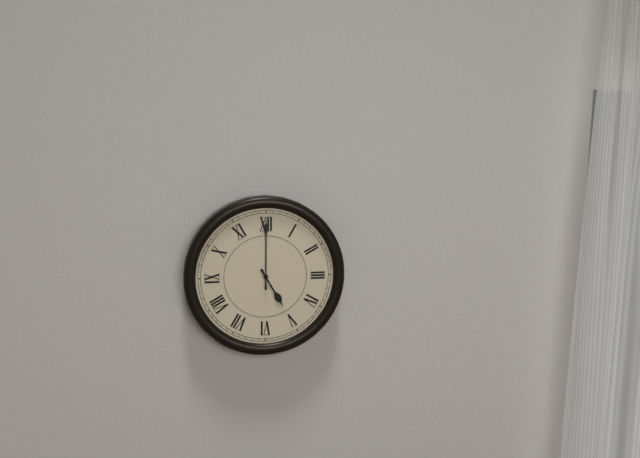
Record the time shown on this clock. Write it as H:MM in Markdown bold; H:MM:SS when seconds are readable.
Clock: **5:00**
